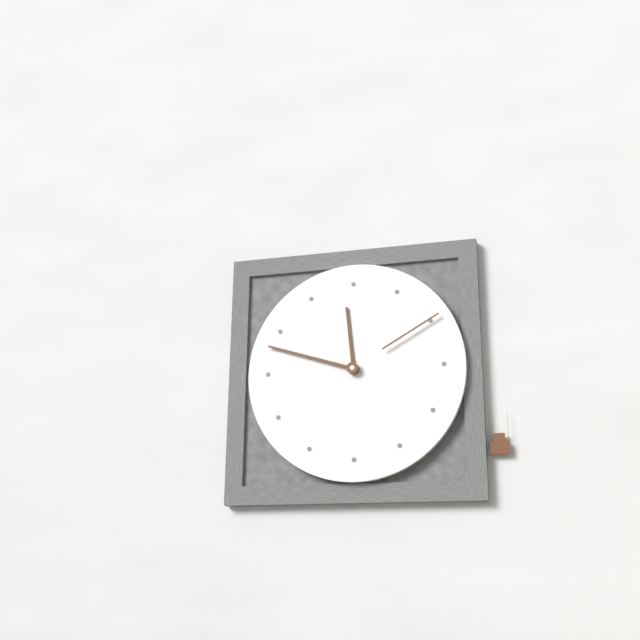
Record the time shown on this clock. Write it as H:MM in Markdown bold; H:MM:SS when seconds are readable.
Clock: **11:48:10**
